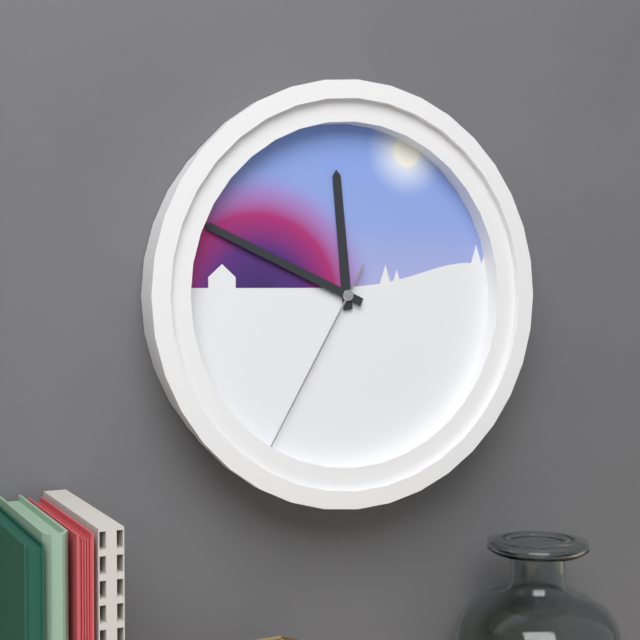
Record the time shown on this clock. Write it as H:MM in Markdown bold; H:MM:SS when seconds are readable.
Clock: **11:49:35**
